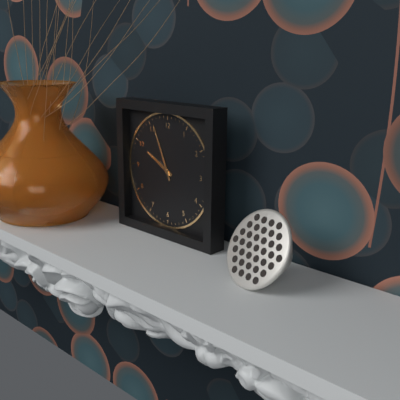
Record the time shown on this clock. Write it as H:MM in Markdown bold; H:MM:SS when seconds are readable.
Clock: **9:56**
